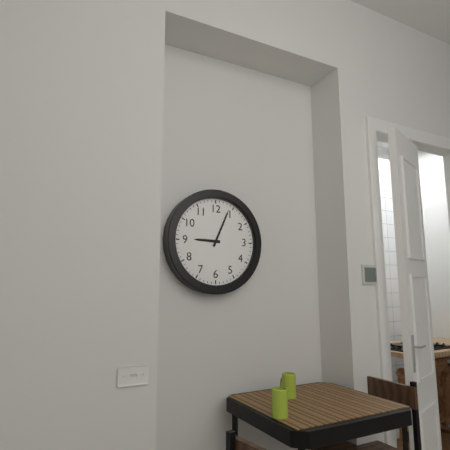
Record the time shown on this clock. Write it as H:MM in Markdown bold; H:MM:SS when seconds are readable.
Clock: **9:04**
